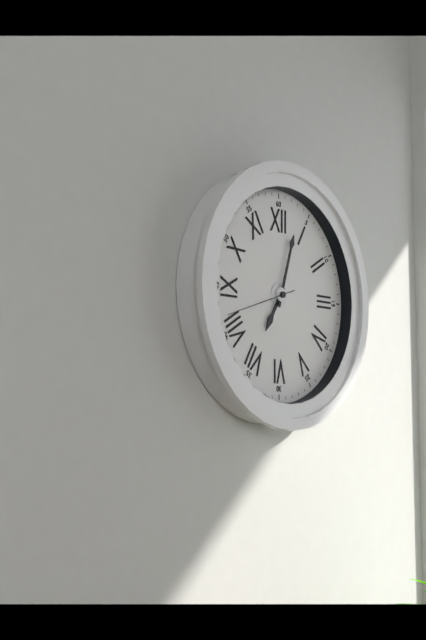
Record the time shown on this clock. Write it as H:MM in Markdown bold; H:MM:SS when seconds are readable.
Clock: **7:03:42**
